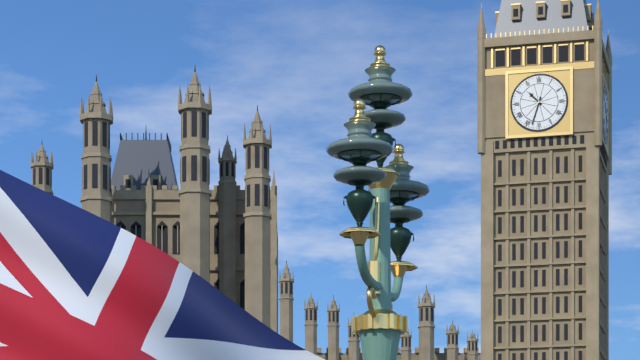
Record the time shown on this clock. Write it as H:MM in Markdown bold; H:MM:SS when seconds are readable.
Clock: **10:33**
